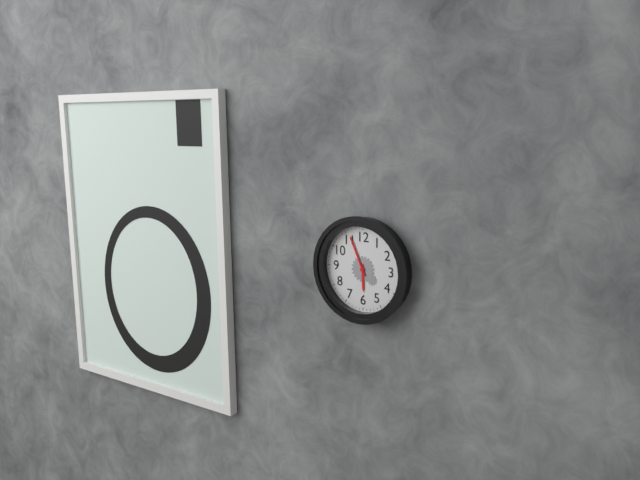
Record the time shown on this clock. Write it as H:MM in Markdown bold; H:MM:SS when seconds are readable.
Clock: **5:56**
